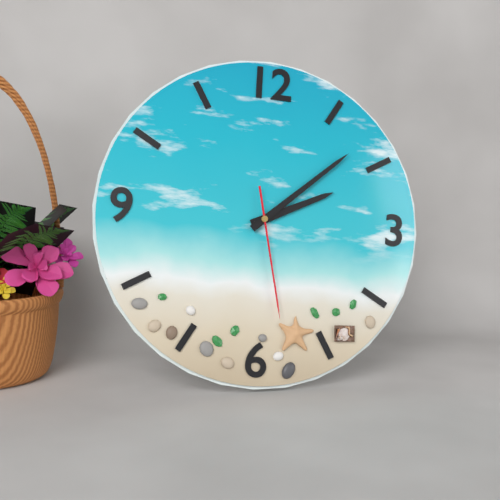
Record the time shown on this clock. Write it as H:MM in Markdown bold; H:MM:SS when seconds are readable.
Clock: **2:08:28**
